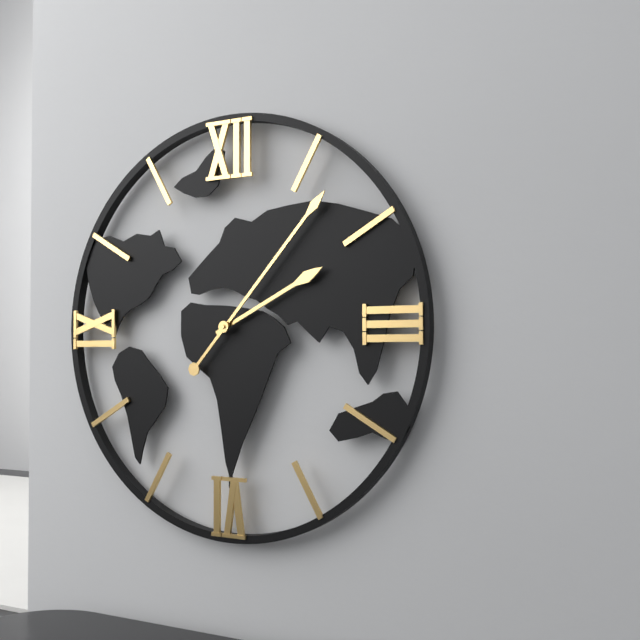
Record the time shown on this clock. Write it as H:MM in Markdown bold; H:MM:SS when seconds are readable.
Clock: **2:07**
